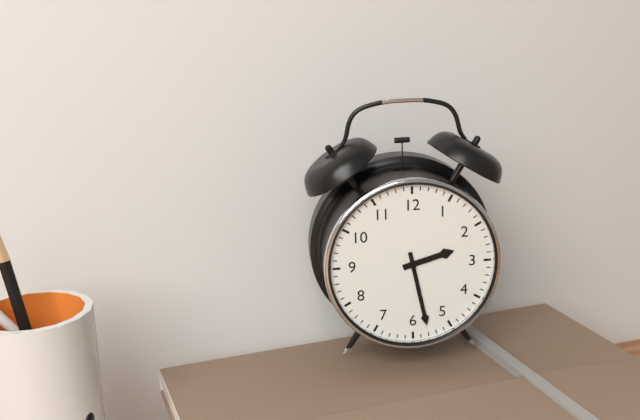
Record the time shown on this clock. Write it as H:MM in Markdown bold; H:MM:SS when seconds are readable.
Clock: **2:28**
